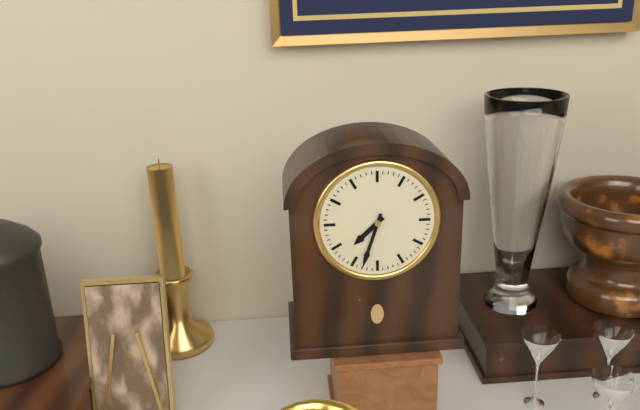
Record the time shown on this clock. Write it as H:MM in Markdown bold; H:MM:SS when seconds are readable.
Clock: **7:33**
